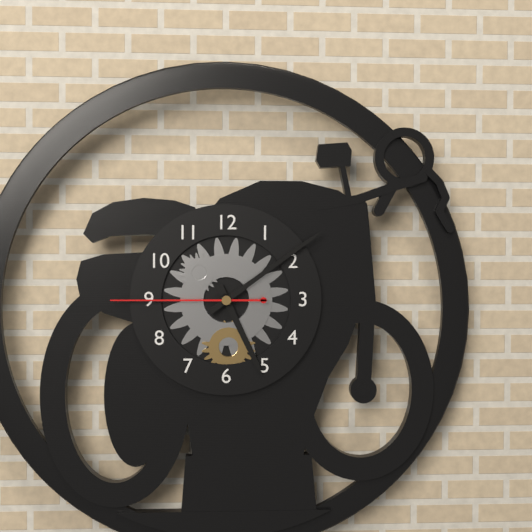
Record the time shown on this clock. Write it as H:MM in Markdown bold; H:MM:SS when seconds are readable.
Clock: **5:09:45**
